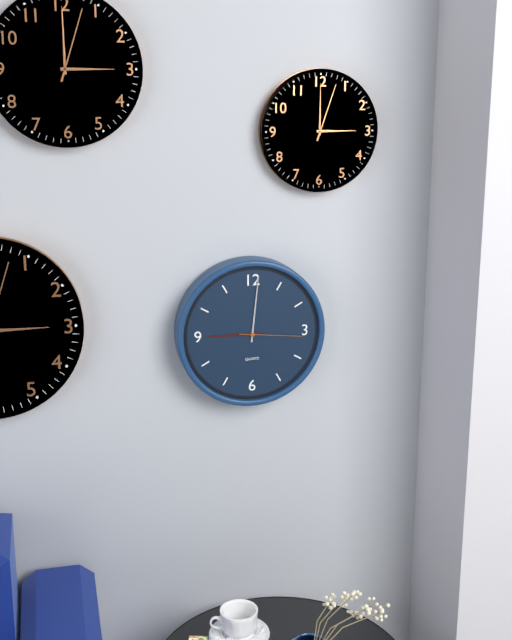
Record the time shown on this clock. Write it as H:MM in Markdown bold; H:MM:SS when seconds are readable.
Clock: **9:01:16**
